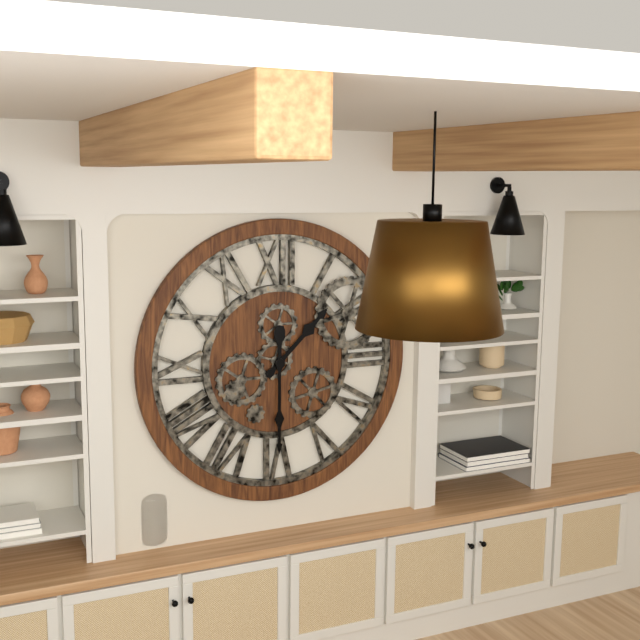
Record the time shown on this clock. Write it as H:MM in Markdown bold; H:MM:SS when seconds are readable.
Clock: **1:30**
